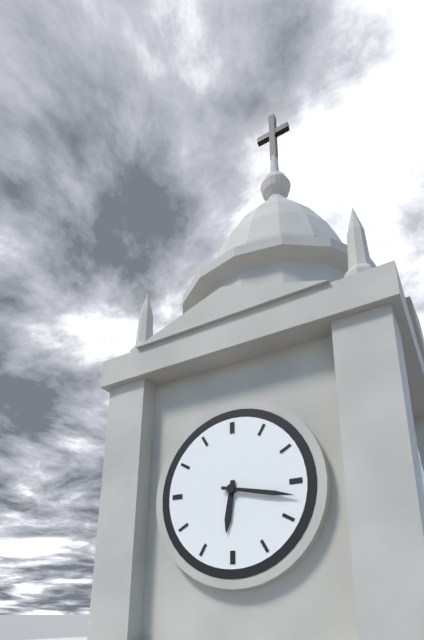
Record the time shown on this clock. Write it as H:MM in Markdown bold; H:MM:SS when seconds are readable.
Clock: **6:17**
